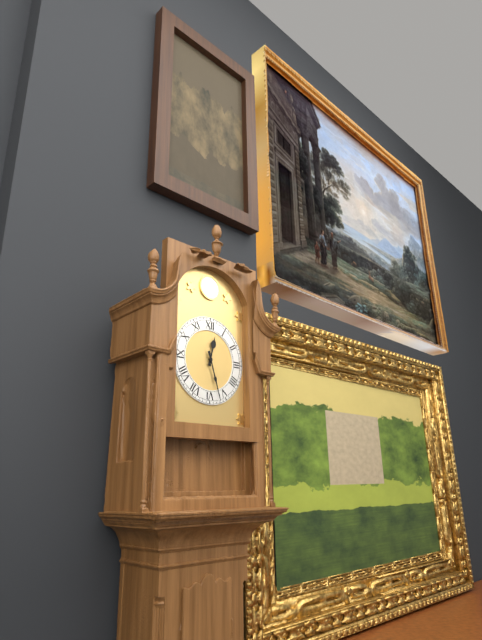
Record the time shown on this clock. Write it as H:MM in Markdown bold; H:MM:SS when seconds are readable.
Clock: **12:27**
